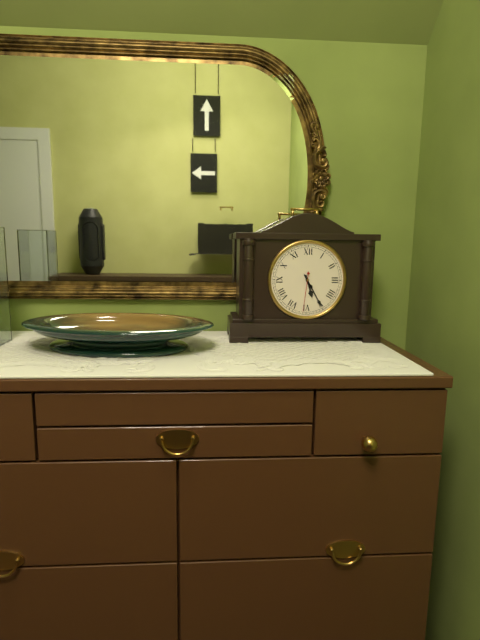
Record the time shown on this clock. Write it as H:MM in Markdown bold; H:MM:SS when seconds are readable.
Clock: **5:25**
